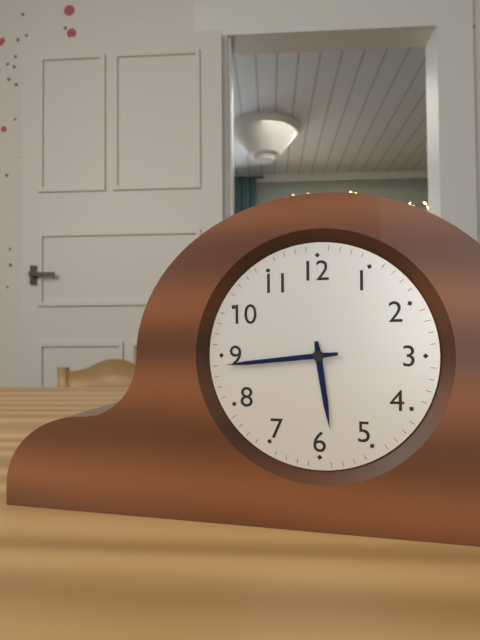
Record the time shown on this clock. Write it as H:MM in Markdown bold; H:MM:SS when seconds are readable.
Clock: **5:44**
